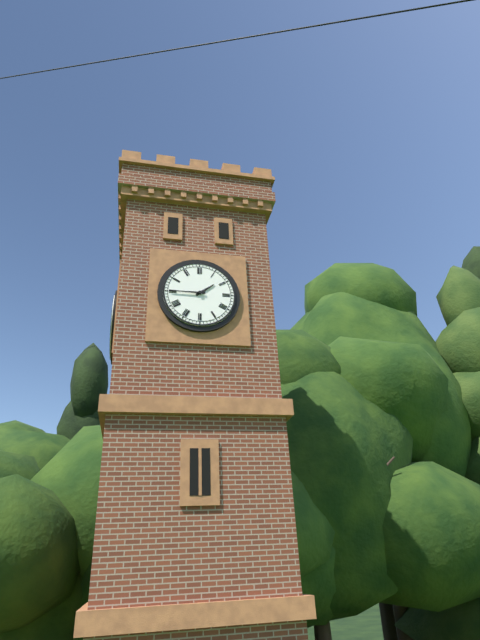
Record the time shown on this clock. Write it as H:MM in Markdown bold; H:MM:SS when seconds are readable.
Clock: **1:45**
